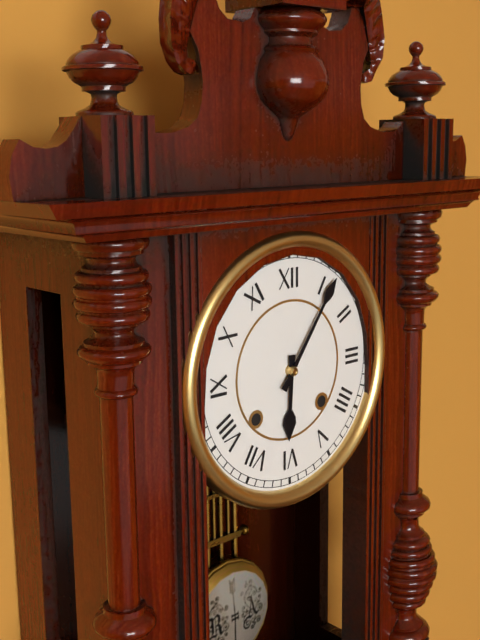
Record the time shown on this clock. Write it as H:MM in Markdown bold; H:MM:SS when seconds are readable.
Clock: **6:06**
